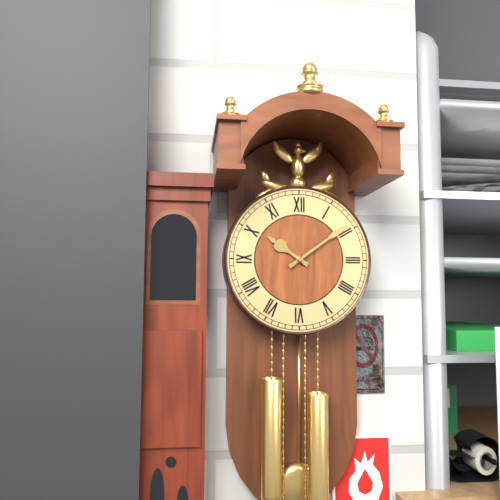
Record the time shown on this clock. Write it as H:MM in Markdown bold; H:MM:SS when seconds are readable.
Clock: **10:09**
